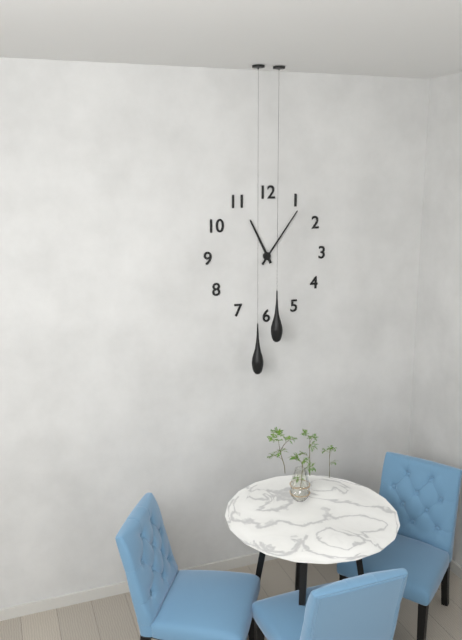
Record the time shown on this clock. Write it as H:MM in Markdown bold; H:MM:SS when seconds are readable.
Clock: **11:06**
